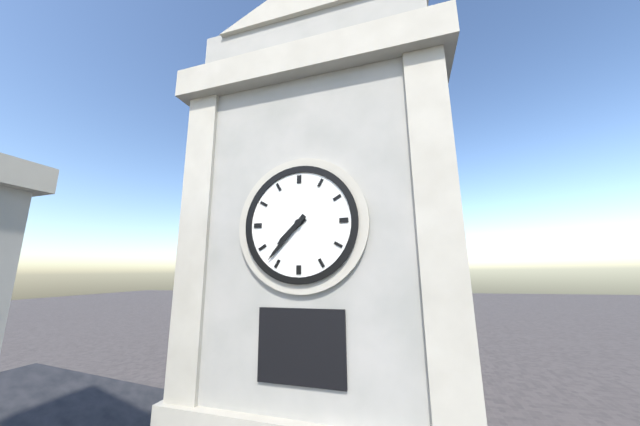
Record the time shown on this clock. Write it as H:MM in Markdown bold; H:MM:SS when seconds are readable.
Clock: **7:37**
